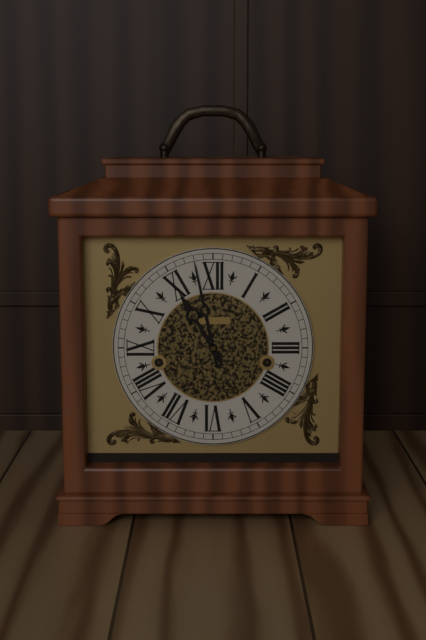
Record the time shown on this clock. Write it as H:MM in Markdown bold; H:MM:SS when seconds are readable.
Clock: **10:58**
